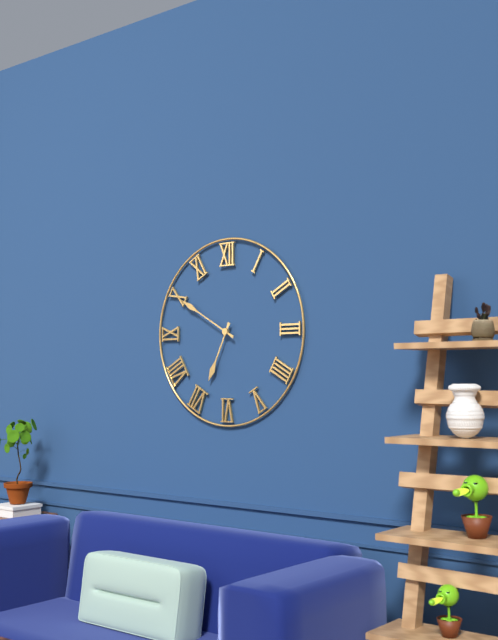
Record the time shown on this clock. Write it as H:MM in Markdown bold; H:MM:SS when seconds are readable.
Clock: **6:50**
